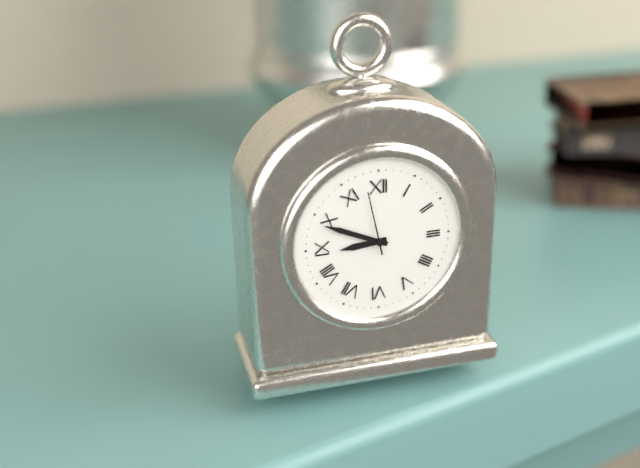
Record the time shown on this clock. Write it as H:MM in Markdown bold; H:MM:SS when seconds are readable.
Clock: **8:49:58**
